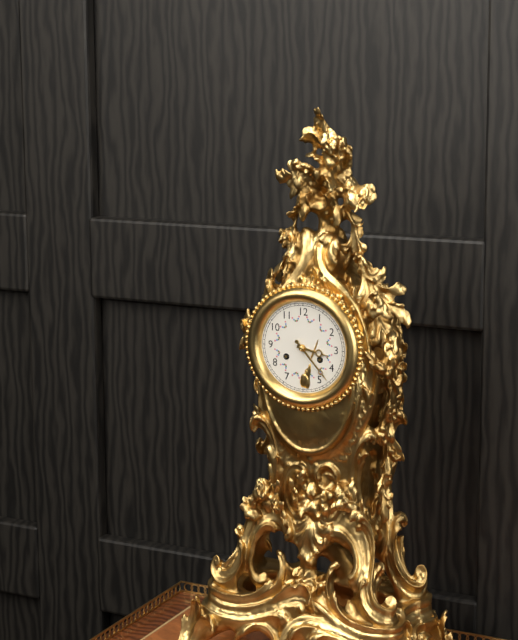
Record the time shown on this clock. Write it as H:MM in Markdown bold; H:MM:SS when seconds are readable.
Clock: **3:23**
